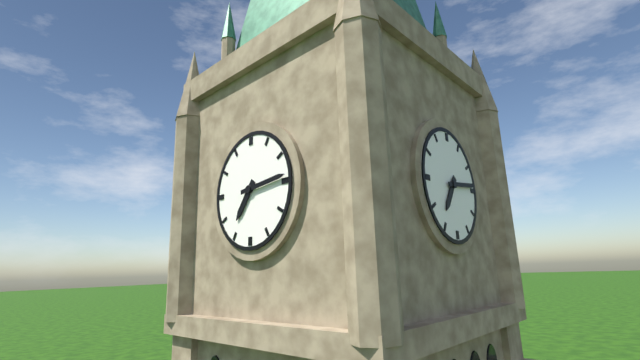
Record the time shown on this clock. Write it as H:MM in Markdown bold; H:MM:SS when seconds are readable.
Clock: **7:14**
